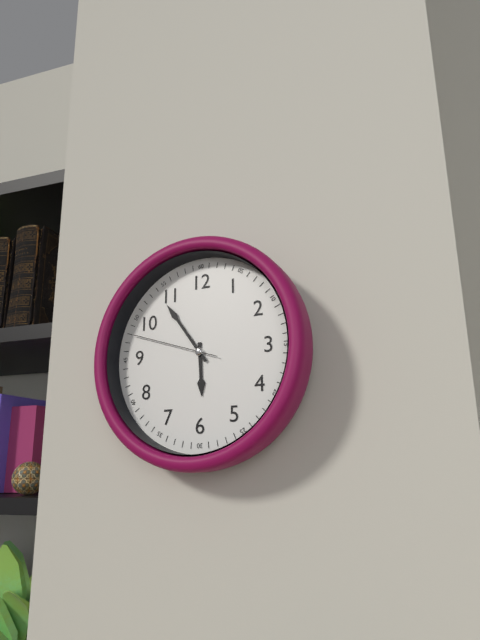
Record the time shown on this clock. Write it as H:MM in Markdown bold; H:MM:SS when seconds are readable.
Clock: **5:54:48**
